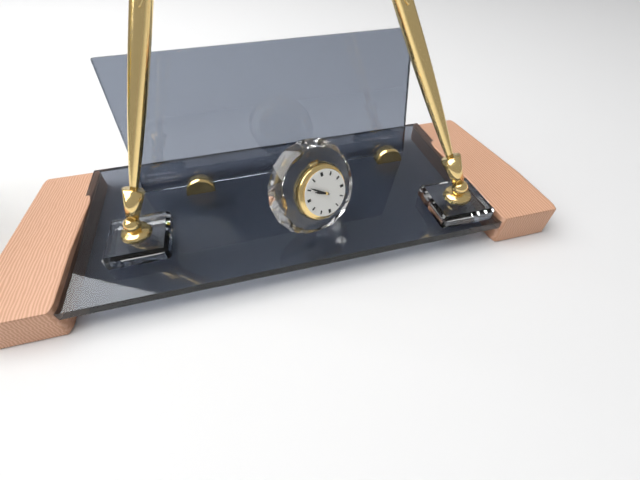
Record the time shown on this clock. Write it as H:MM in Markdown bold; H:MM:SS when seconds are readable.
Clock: **9:51**
